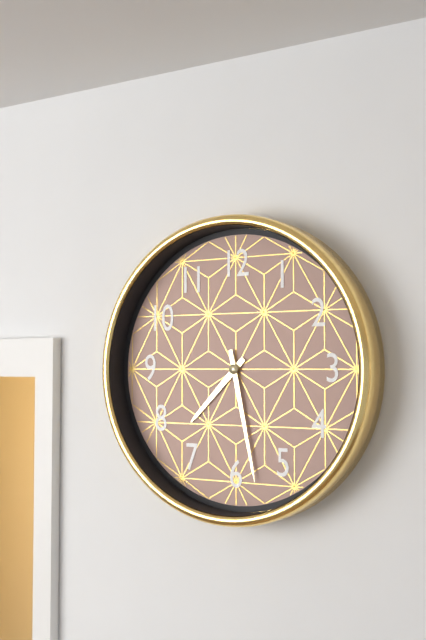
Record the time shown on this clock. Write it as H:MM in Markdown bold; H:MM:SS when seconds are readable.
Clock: **7:28**
